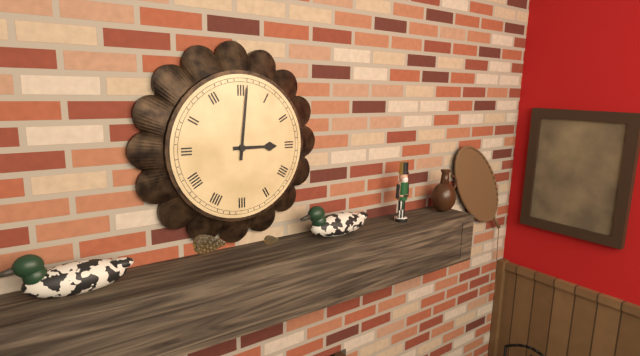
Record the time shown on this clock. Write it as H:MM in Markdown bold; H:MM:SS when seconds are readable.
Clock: **3:01**
